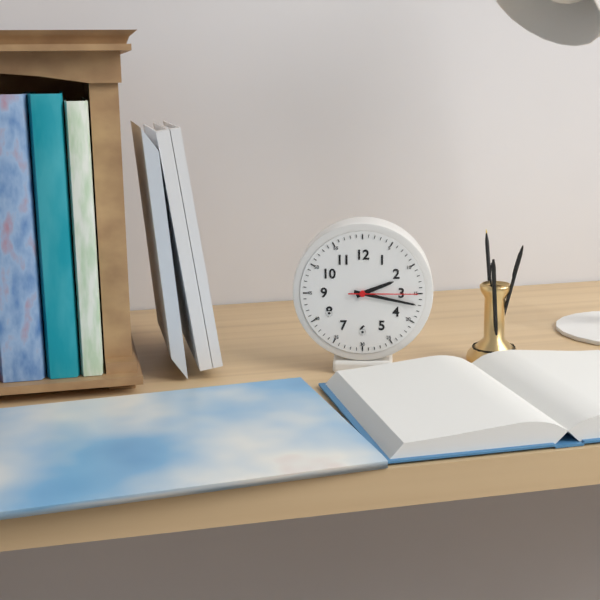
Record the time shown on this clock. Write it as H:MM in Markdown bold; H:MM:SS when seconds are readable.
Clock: **2:17:15**
